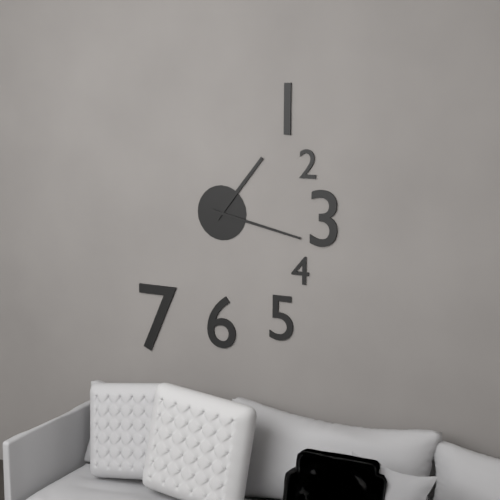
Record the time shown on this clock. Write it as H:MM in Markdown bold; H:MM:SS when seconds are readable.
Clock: **1:17**
